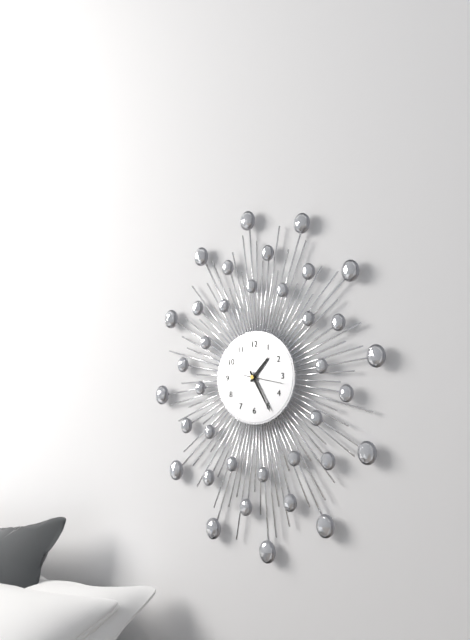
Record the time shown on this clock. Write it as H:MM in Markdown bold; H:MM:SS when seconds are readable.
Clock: **1:25**
